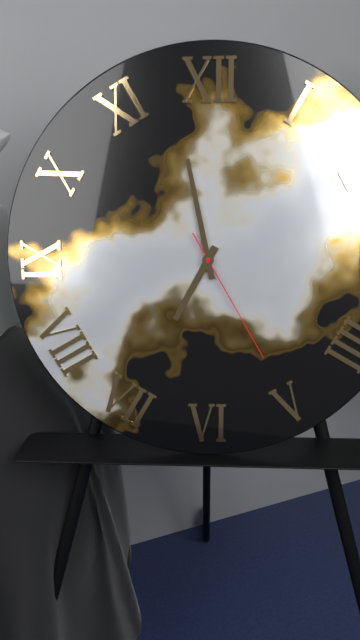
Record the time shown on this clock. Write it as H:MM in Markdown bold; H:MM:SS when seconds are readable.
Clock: **6:58:25**
